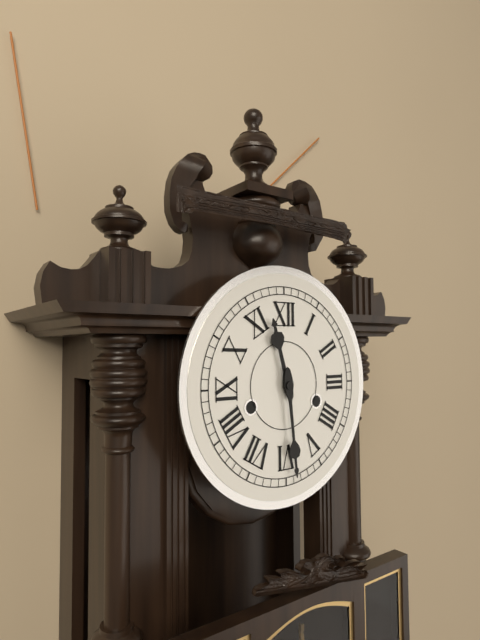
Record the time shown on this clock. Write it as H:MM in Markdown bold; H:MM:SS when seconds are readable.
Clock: **11:29**
